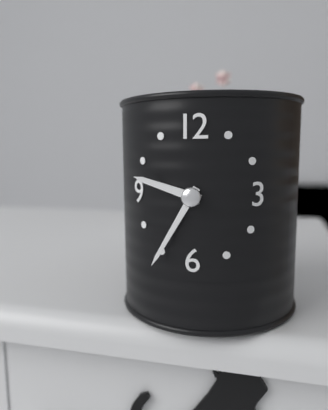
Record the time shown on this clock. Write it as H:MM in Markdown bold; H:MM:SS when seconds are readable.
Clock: **9:35**
